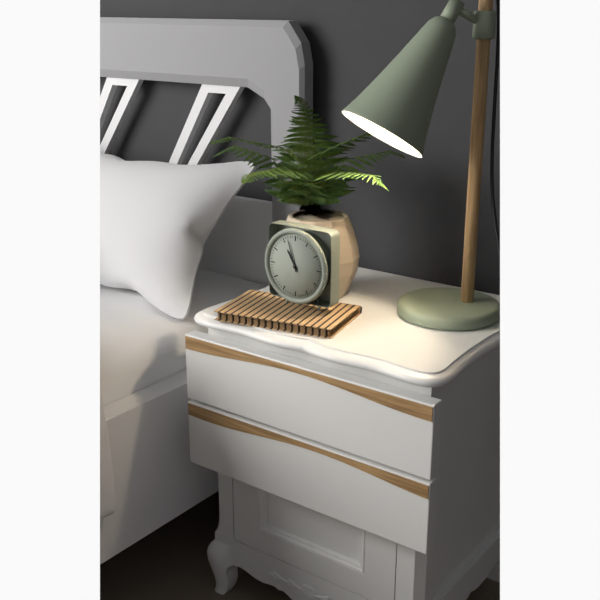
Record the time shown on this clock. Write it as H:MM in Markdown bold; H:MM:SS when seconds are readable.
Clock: **10:57**
